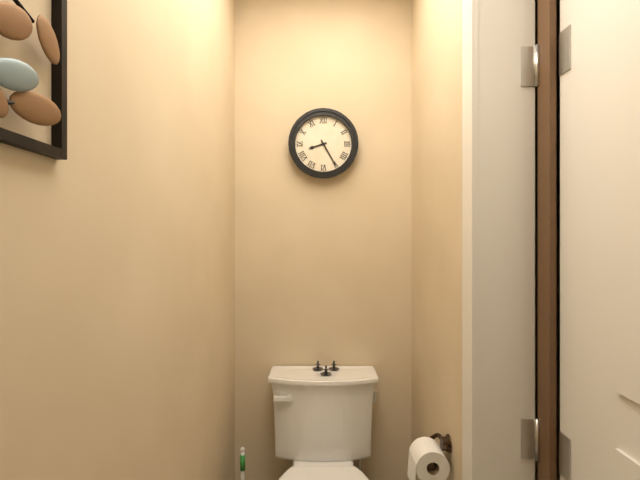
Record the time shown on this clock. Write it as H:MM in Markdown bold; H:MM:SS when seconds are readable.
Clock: **8:25**
